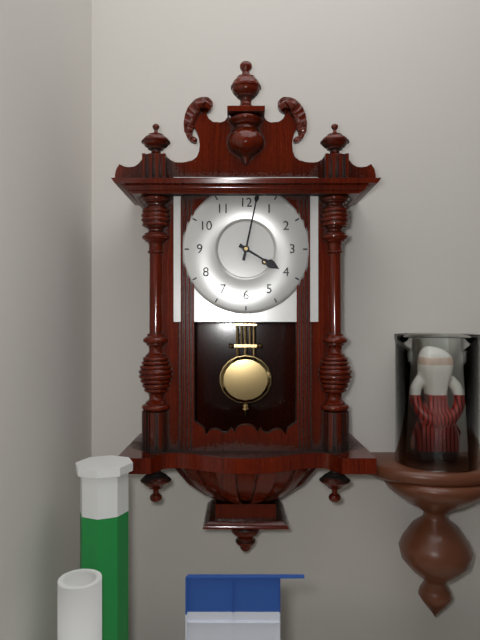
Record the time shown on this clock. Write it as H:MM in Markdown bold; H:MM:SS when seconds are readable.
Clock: **4:02**
